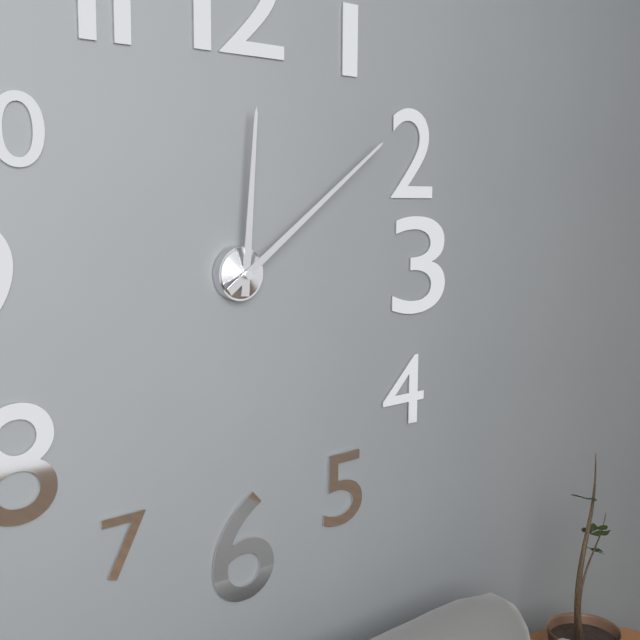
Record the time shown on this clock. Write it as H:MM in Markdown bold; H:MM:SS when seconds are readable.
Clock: **12:09**
